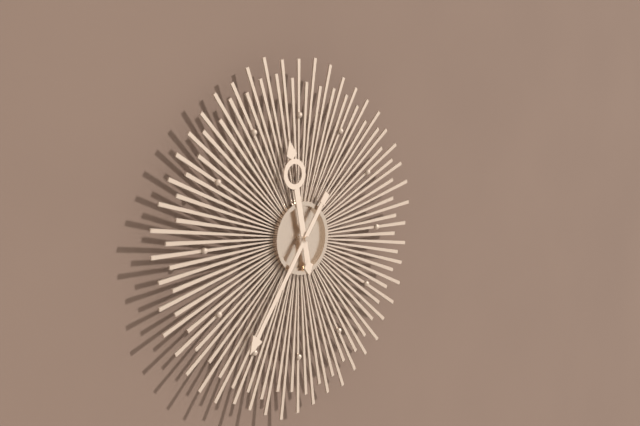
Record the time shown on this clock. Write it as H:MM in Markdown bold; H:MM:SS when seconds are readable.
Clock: **11:36**
